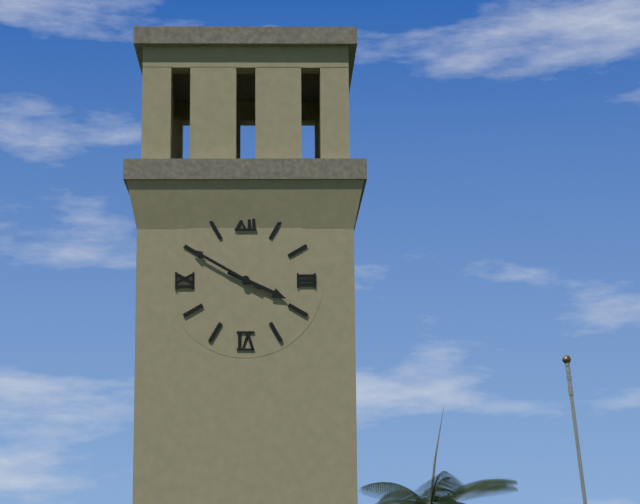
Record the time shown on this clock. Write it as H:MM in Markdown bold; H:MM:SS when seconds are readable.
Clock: **3:50**
